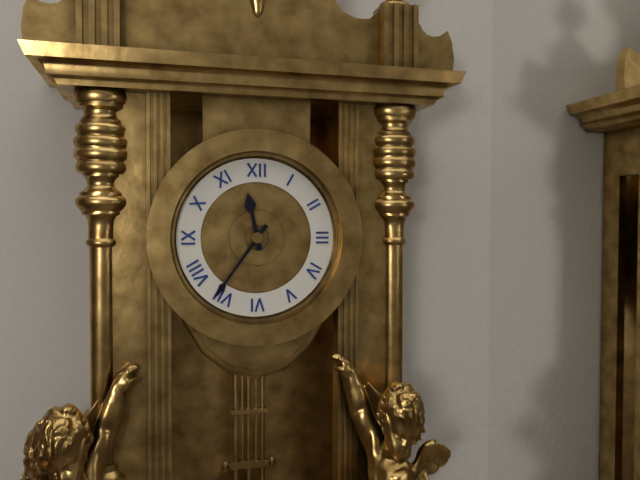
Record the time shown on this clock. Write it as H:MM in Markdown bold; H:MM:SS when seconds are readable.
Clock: **11:36**
